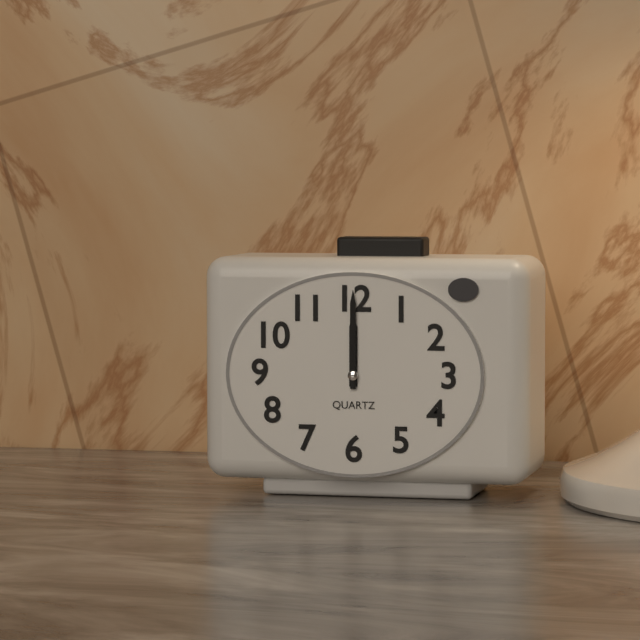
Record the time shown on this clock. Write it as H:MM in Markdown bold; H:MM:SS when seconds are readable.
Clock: **12:00**
